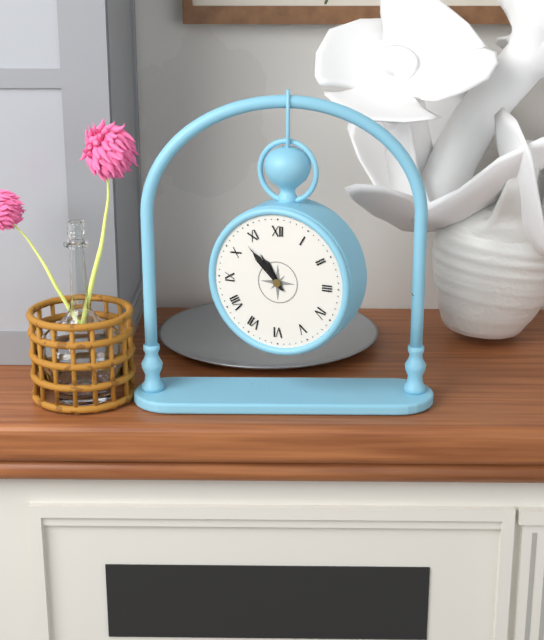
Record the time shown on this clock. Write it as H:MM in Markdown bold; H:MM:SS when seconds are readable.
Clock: **10:53**
